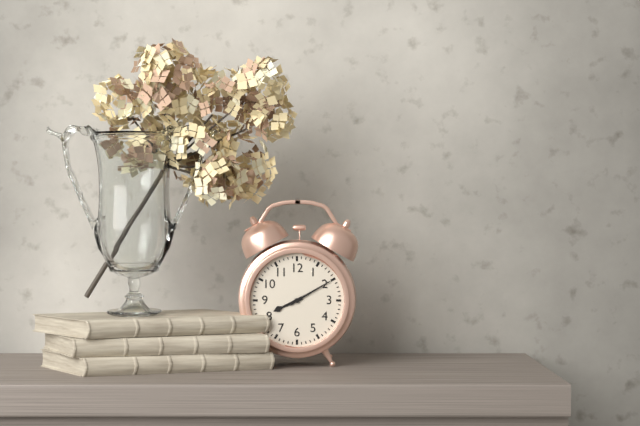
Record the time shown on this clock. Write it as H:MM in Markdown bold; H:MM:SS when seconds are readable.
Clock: **8:10**
